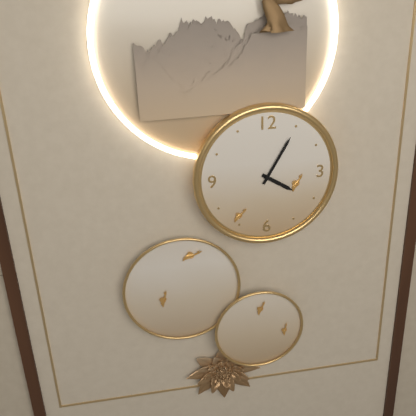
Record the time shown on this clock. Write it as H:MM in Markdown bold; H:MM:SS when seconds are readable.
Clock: **4:05**
